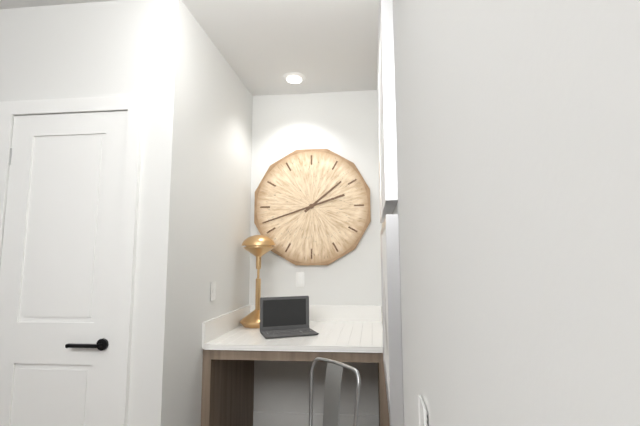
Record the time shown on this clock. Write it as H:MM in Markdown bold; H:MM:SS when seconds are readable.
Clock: **1:42**
